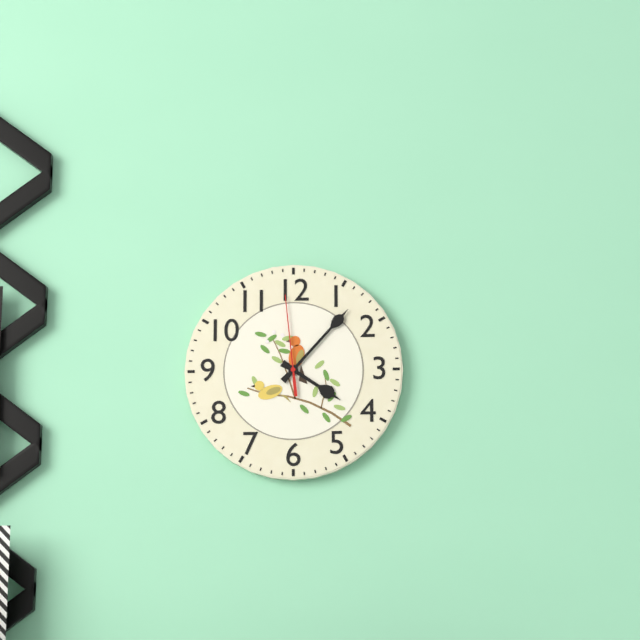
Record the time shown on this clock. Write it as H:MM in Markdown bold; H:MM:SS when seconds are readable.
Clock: **4:07:59**
